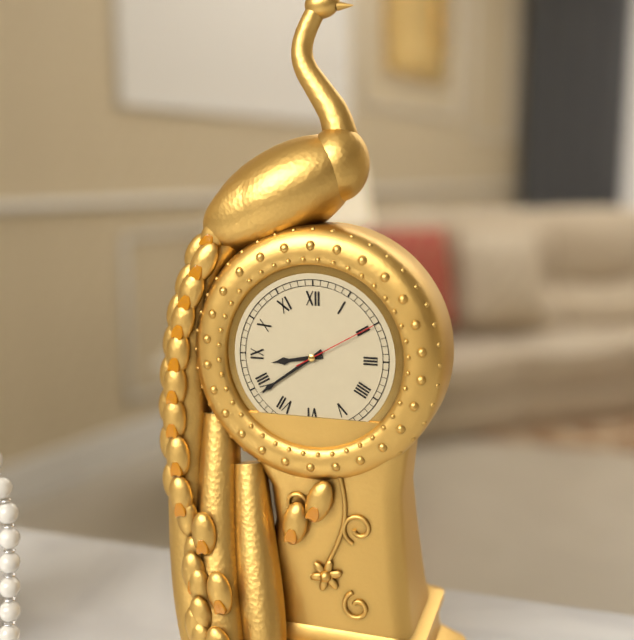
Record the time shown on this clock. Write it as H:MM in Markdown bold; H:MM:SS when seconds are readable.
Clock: **8:39:10**
